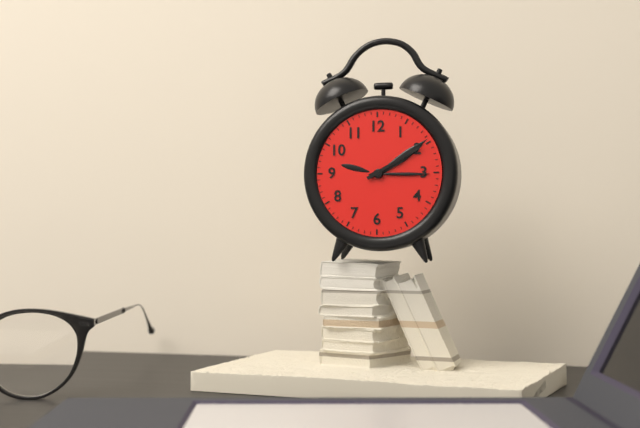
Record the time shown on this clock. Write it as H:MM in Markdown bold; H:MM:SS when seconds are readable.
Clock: **2:10**
